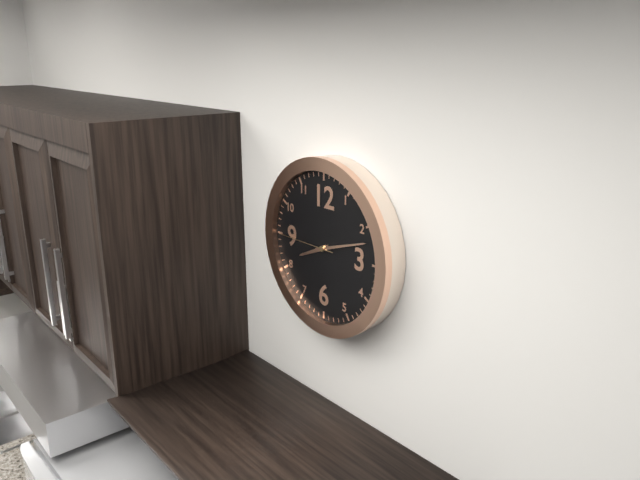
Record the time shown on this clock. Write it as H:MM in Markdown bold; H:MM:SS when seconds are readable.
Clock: **8:12:45**
